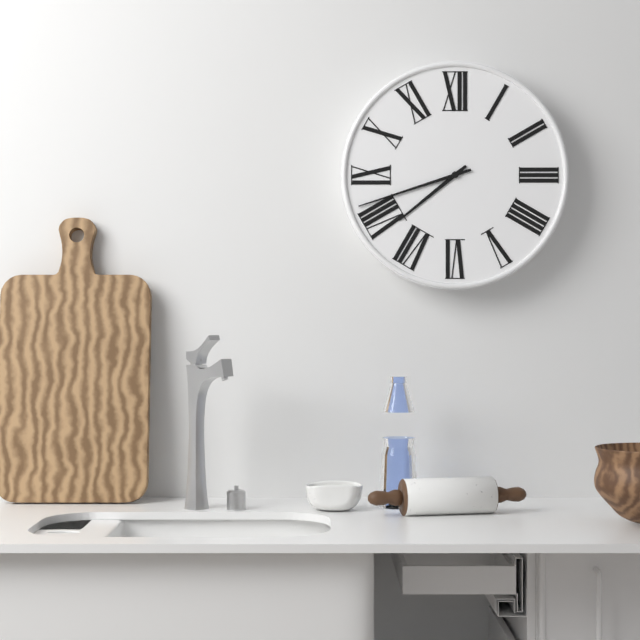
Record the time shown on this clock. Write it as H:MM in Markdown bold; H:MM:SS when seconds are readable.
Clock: **7:42**
